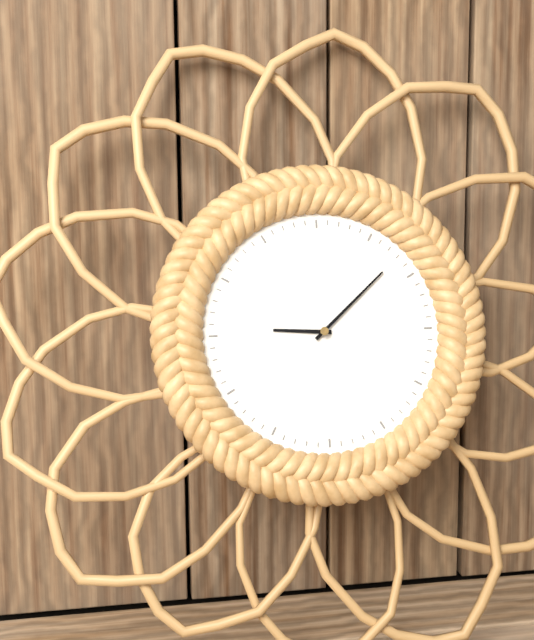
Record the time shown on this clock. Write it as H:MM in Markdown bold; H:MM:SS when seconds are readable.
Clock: **9:08**
